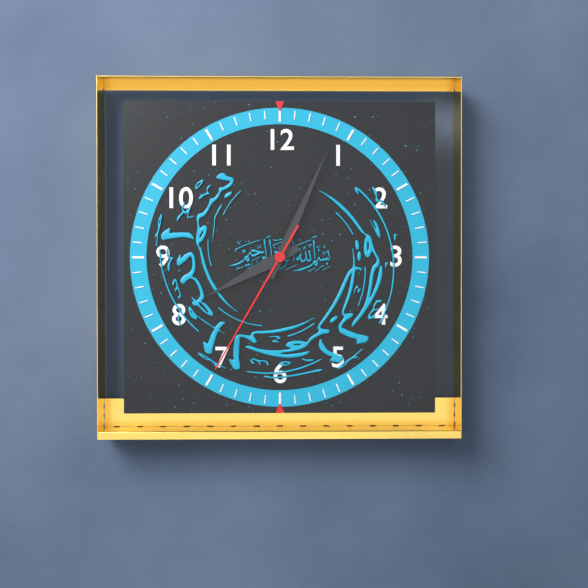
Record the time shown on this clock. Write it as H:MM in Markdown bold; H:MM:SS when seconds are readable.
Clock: **8:04:35**
